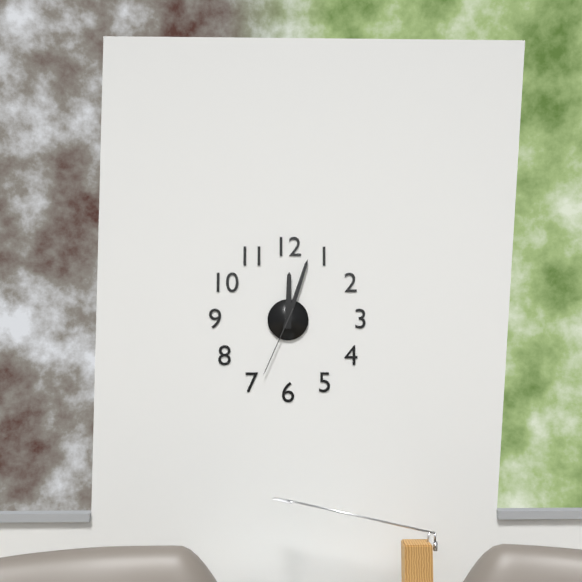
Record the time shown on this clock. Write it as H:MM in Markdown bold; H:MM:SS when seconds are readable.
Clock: **12:03:34**
